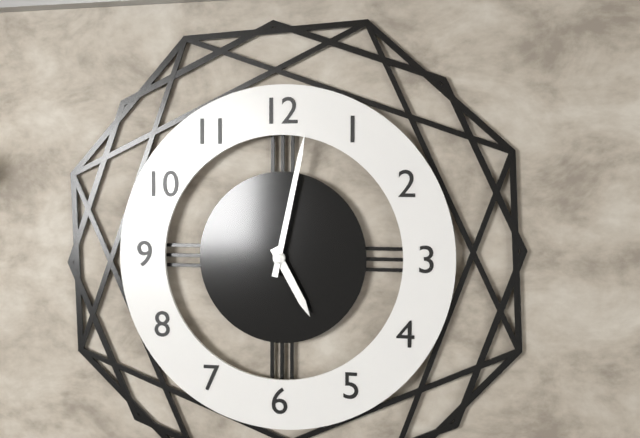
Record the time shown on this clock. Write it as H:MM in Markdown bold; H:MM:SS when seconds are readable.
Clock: **5:02**
